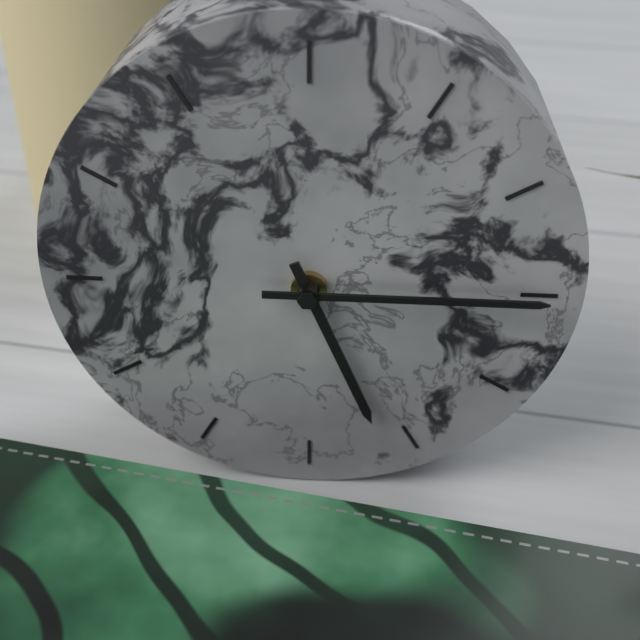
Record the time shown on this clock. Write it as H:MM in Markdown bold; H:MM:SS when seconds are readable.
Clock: **5:15**
